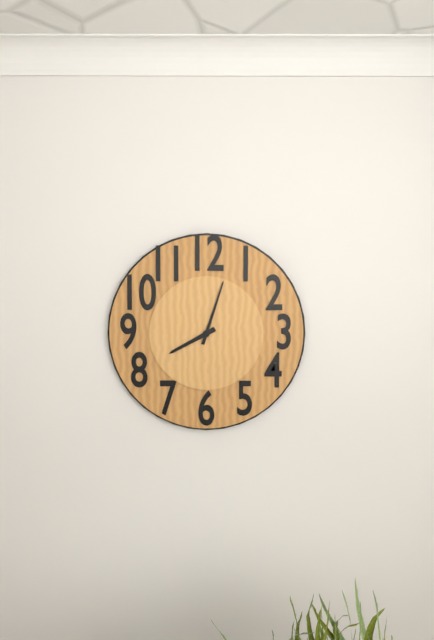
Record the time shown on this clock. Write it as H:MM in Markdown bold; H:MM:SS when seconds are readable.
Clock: **8:03**
